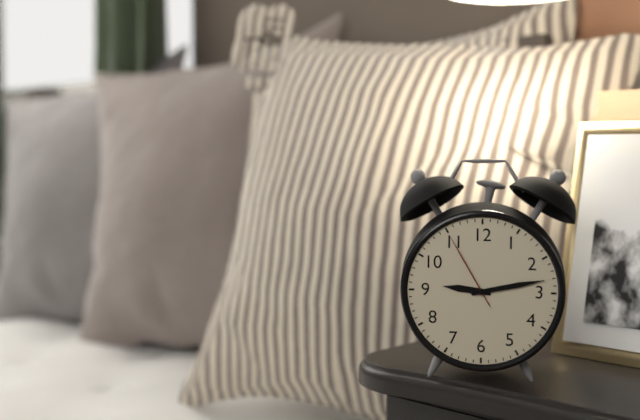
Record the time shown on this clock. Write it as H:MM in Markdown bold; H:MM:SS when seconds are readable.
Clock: **9:13:55**
